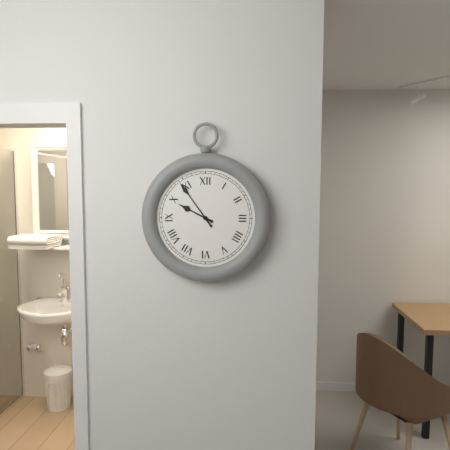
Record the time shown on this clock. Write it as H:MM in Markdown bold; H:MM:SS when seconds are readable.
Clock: **9:54**
